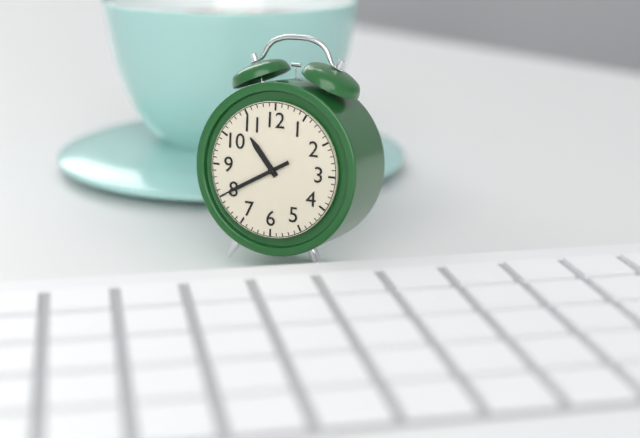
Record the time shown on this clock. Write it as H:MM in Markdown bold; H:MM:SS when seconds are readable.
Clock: **10:40**
